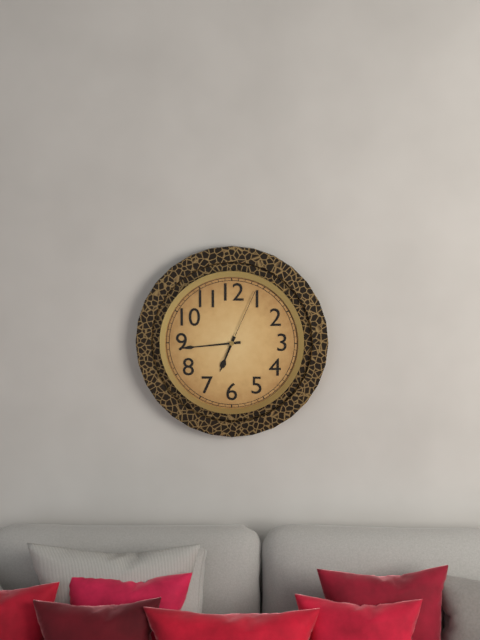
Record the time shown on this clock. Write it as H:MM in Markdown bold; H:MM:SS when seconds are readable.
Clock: **6:44:04**
